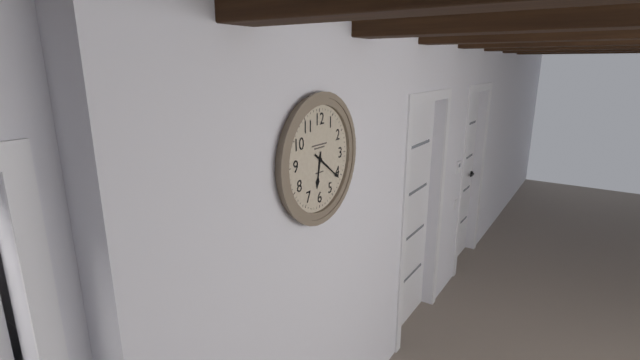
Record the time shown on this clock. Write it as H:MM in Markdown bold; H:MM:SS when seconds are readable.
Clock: **6:21**
